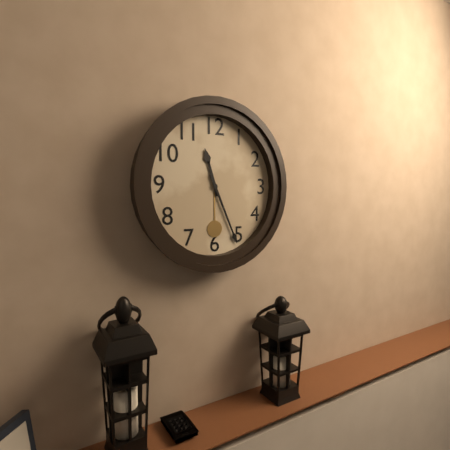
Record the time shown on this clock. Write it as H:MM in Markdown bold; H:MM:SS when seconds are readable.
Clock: **11:26**
